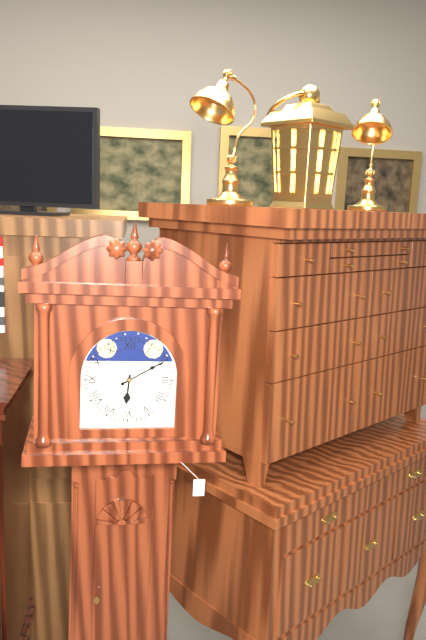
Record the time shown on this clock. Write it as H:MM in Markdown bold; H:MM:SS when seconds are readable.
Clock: **6:10**
